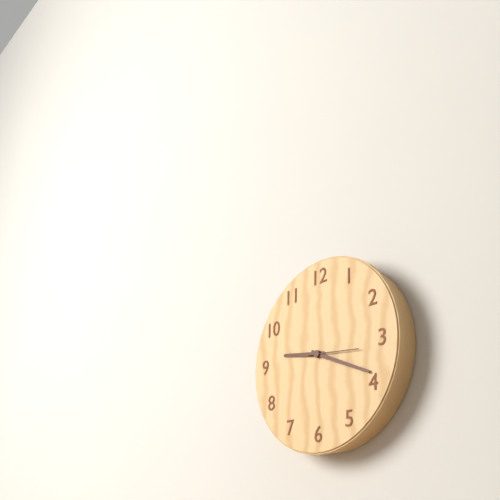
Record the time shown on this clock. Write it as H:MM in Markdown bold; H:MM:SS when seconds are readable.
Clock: **9:19:16**
